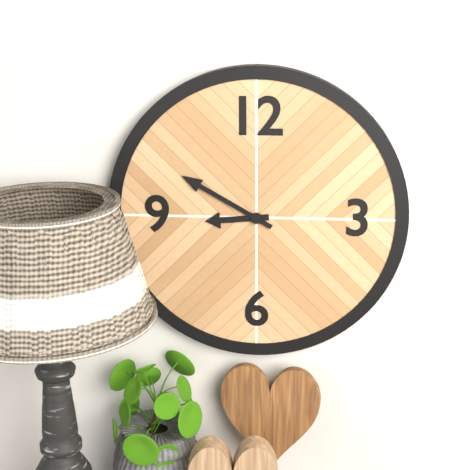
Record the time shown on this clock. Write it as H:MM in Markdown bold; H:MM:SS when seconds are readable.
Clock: **8:50**
